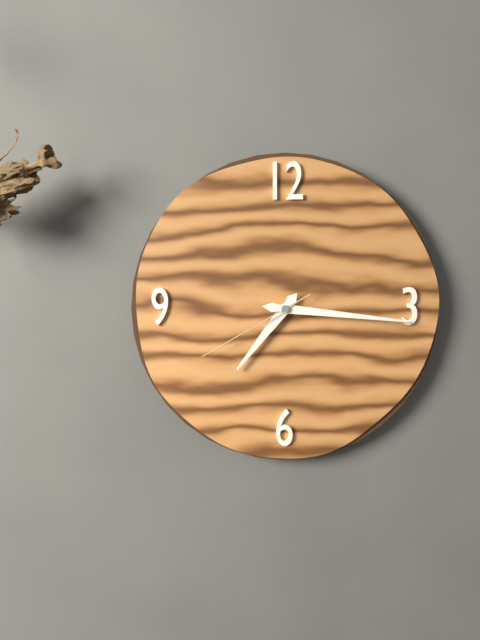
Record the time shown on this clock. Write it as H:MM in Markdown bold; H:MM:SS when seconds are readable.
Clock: **7:16:40**
